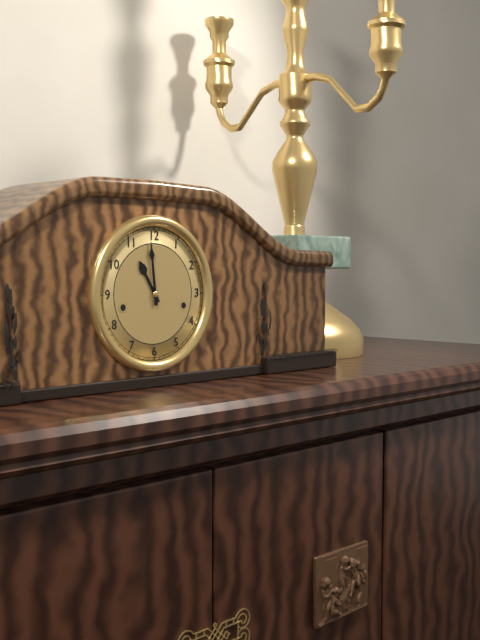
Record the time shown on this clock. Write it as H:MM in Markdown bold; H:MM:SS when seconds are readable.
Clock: **10:59**
